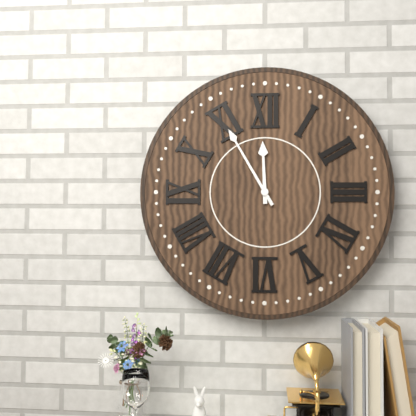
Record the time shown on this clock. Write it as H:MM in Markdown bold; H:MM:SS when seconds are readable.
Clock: **11:55**
